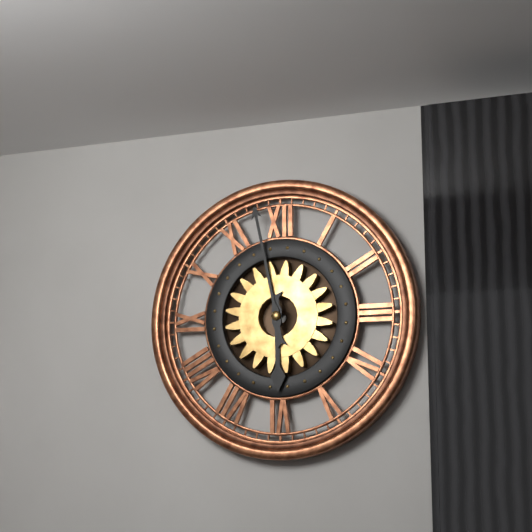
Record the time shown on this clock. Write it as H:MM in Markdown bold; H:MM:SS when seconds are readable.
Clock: **5:58**
